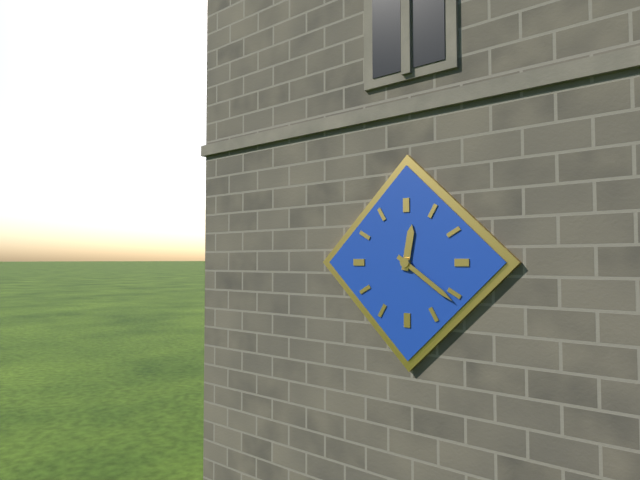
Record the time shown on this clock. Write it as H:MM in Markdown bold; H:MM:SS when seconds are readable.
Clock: **12:21**
